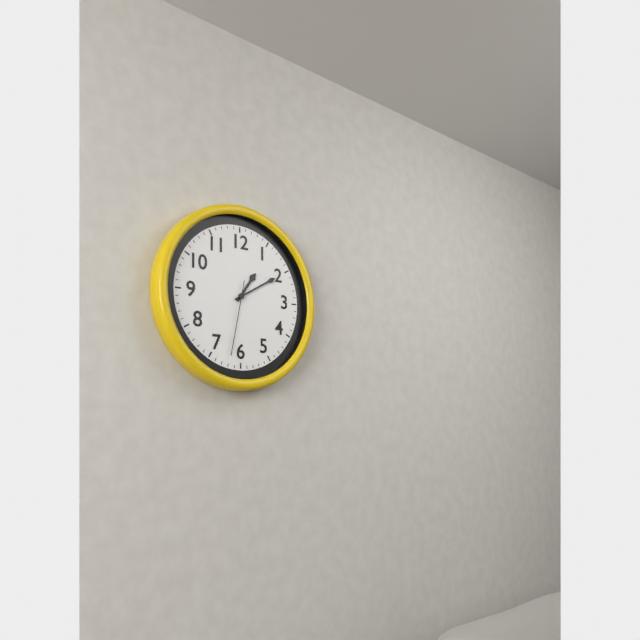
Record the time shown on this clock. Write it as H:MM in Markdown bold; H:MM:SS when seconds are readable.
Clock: **1:10:32**
